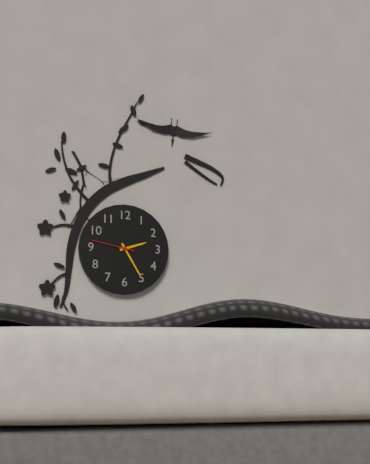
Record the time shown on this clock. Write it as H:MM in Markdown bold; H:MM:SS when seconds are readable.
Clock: **2:25**
